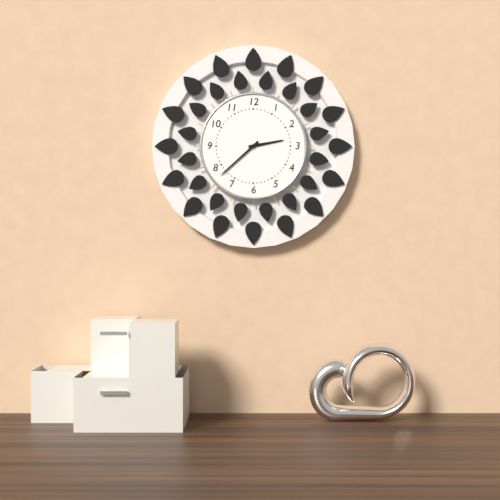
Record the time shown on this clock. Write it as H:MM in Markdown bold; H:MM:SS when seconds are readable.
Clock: **2:38**
